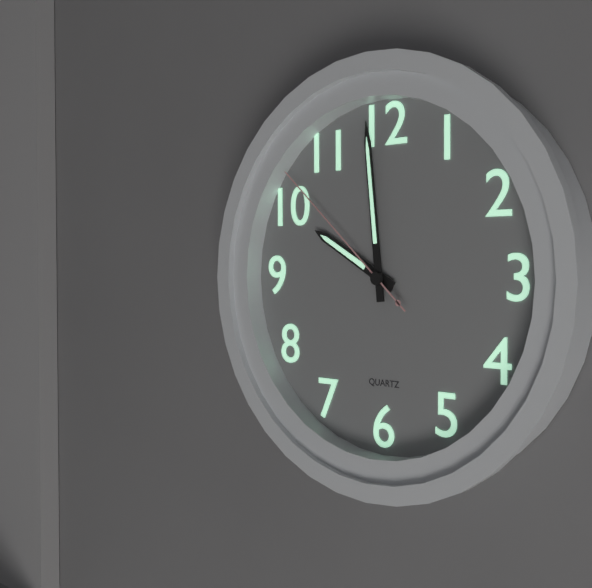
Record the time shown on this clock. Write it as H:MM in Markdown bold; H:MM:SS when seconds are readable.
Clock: **9:59:52**
